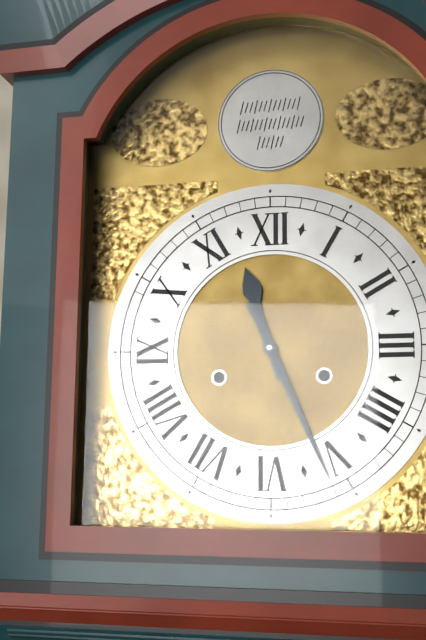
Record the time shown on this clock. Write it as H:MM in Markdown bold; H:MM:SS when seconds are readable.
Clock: **11:26**
